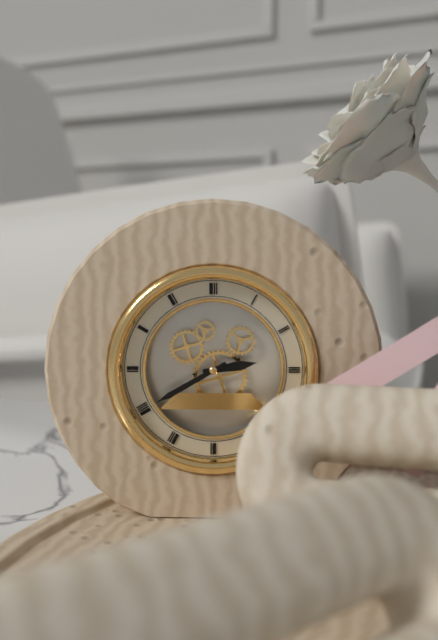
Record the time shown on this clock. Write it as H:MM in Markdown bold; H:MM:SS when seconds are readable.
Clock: **2:40**
